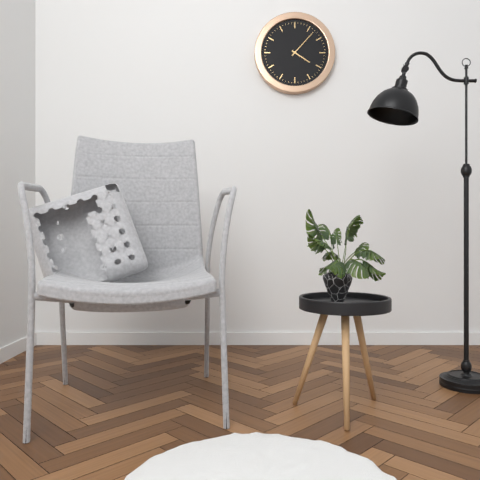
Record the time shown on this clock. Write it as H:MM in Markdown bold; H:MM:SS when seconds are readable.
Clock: **4:07**
